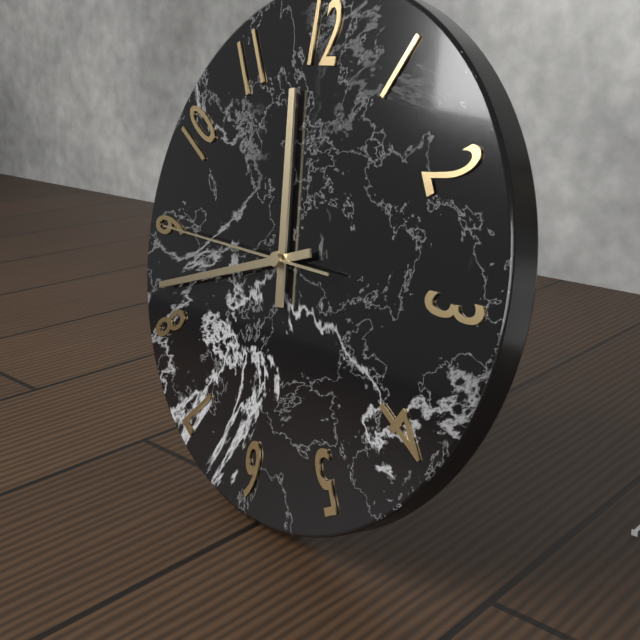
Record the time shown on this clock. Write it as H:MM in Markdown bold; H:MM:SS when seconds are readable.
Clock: **11:42:45**
